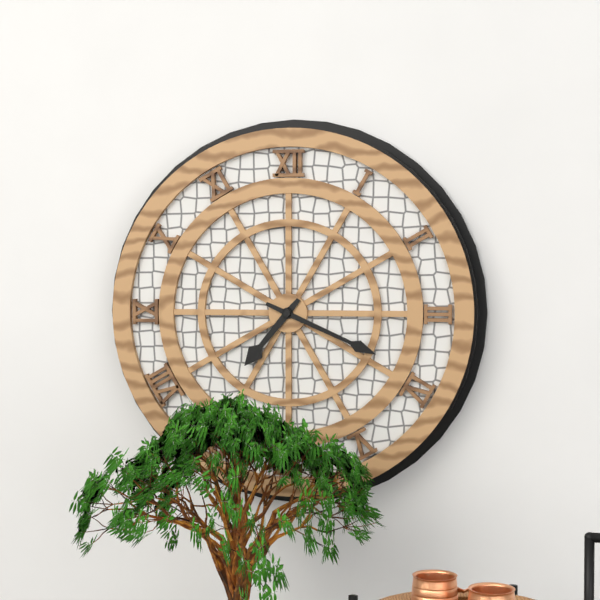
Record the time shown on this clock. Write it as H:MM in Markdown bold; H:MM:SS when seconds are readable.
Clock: **7:19**
